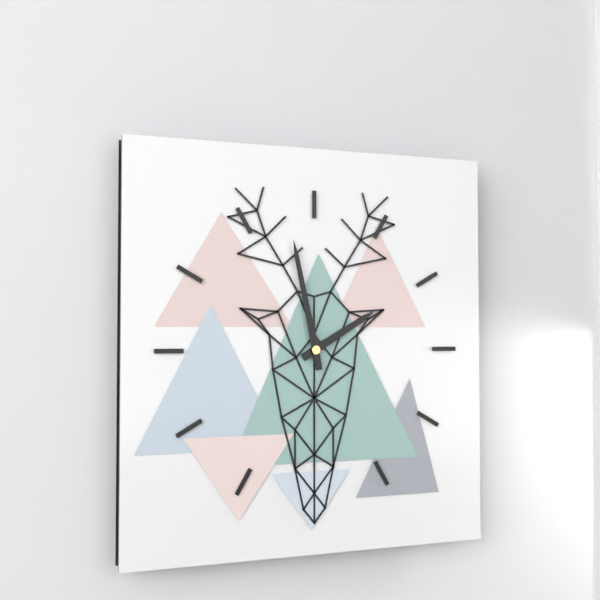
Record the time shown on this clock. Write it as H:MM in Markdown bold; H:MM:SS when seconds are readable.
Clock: **1:58**
